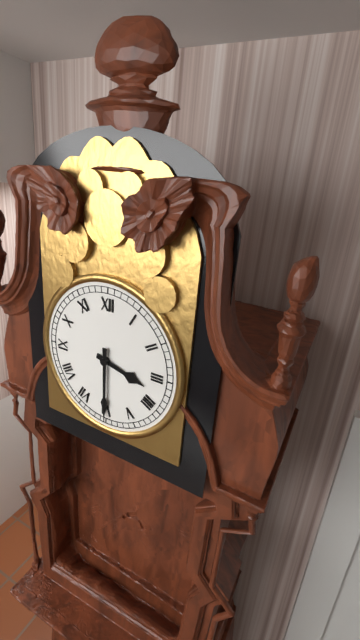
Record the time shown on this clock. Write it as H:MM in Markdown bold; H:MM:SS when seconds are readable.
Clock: **3:30**
